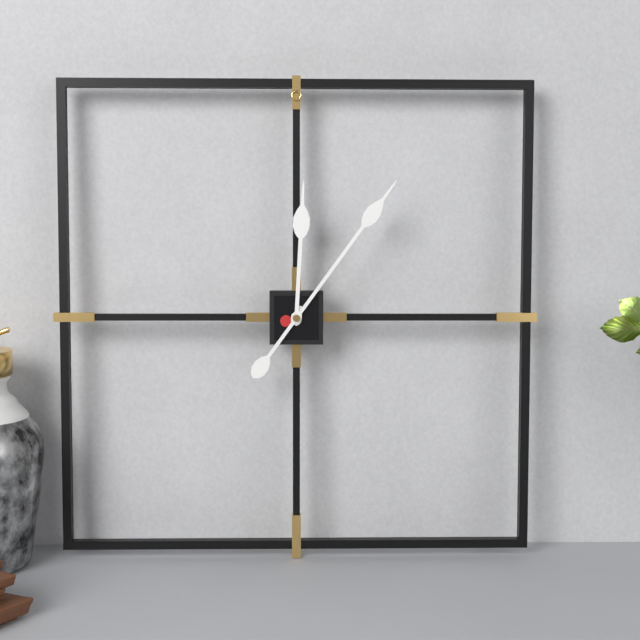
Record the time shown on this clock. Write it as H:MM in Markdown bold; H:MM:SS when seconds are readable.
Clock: **12:06**
